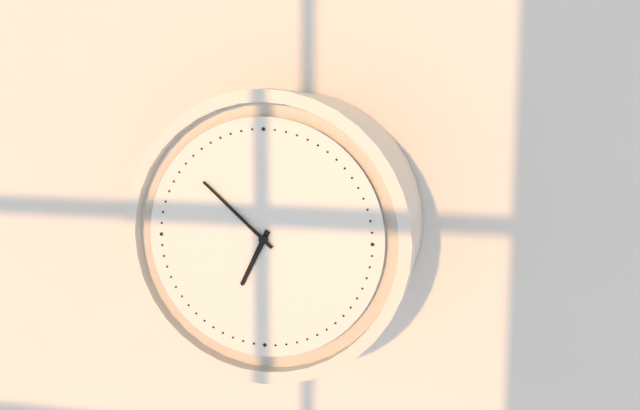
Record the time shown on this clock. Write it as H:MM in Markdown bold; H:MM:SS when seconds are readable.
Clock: **6:52**
